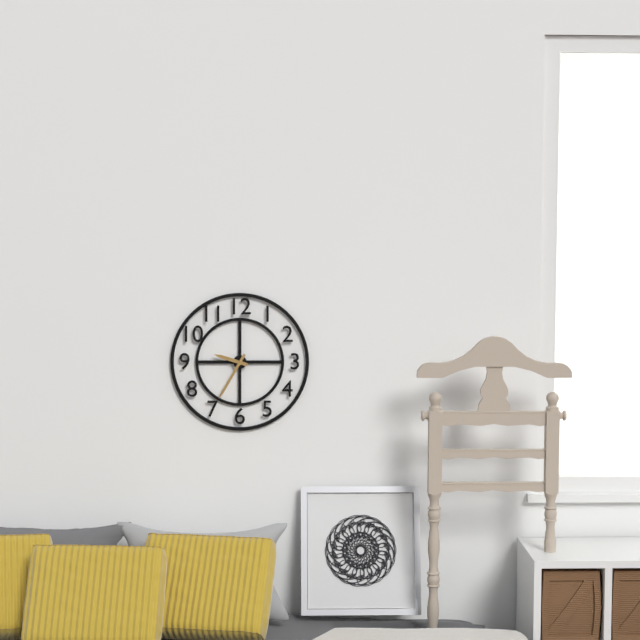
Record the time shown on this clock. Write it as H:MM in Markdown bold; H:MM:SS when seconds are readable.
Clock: **9:35**
